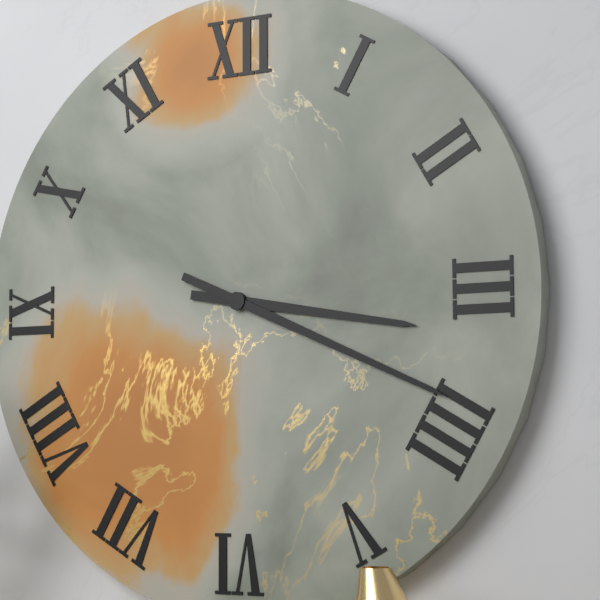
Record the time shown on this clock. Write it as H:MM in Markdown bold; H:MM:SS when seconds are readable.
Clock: **3:19**
